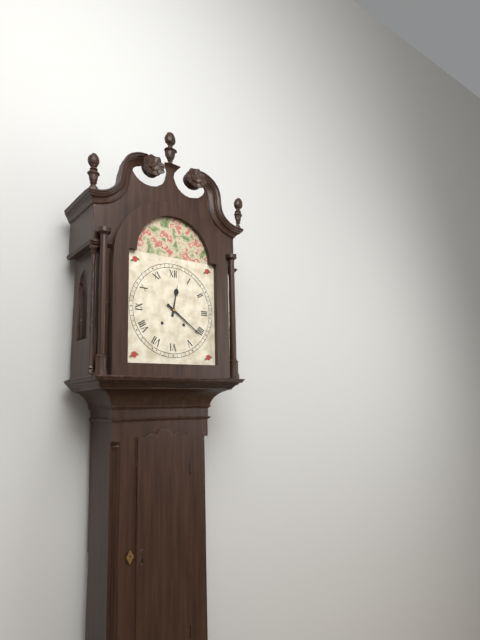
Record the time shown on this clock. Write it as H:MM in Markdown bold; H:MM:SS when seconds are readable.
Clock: **12:21**
